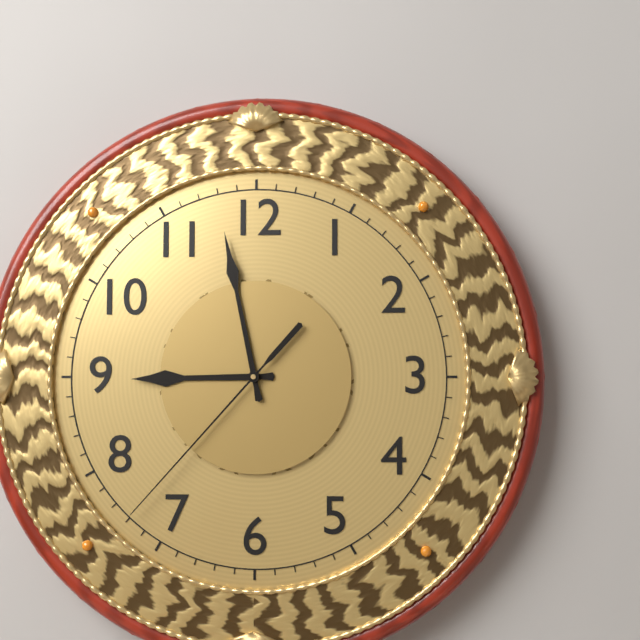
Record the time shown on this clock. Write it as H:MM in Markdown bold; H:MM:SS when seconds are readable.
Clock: **8:58:37**
